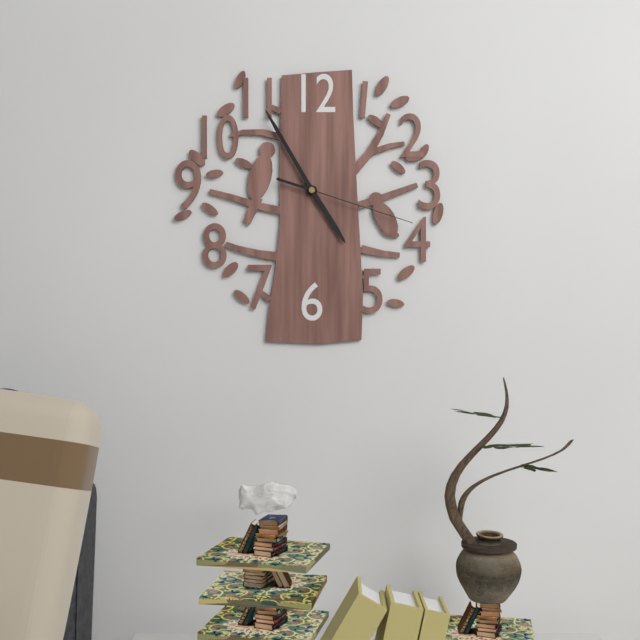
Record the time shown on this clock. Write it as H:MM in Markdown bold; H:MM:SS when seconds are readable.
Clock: **4:55:18**
